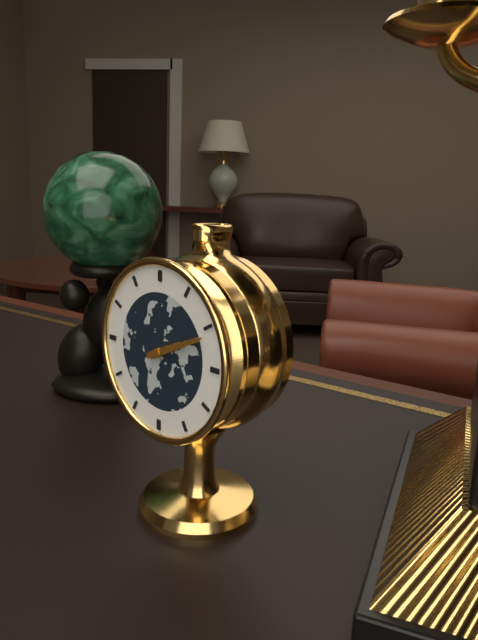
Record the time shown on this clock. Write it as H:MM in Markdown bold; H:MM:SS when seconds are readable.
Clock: **2:11**
